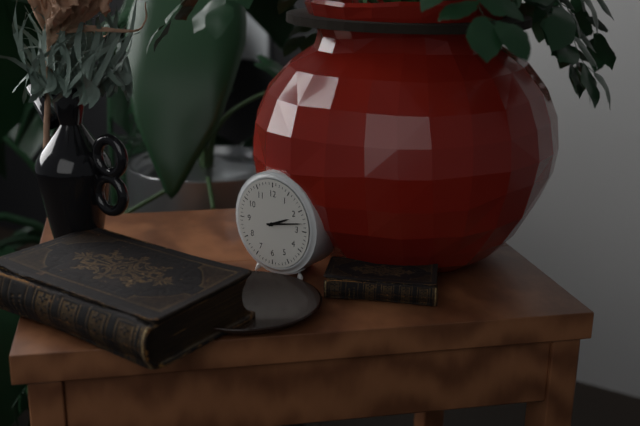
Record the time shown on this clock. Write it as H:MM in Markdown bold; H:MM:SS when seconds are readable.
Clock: **2:13**
